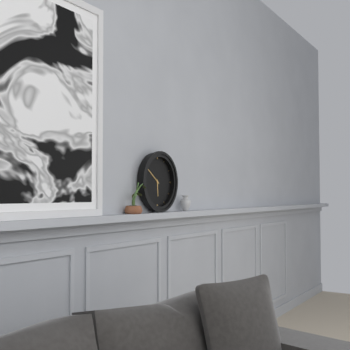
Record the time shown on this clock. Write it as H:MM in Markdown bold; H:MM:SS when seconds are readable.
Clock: **5:51**
